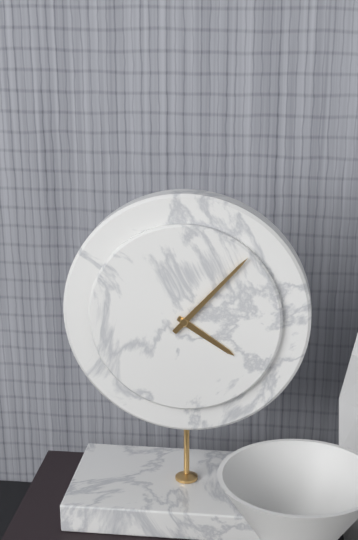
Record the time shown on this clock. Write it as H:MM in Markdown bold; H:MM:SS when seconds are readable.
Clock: **4:07**
